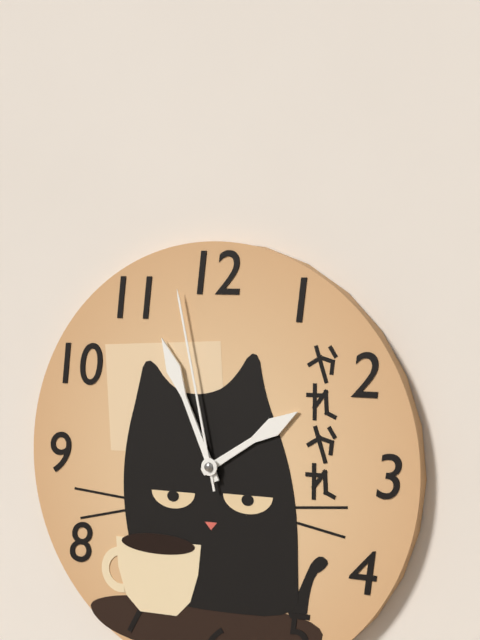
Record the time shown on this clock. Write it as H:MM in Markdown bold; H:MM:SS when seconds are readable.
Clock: **1:56:58**
